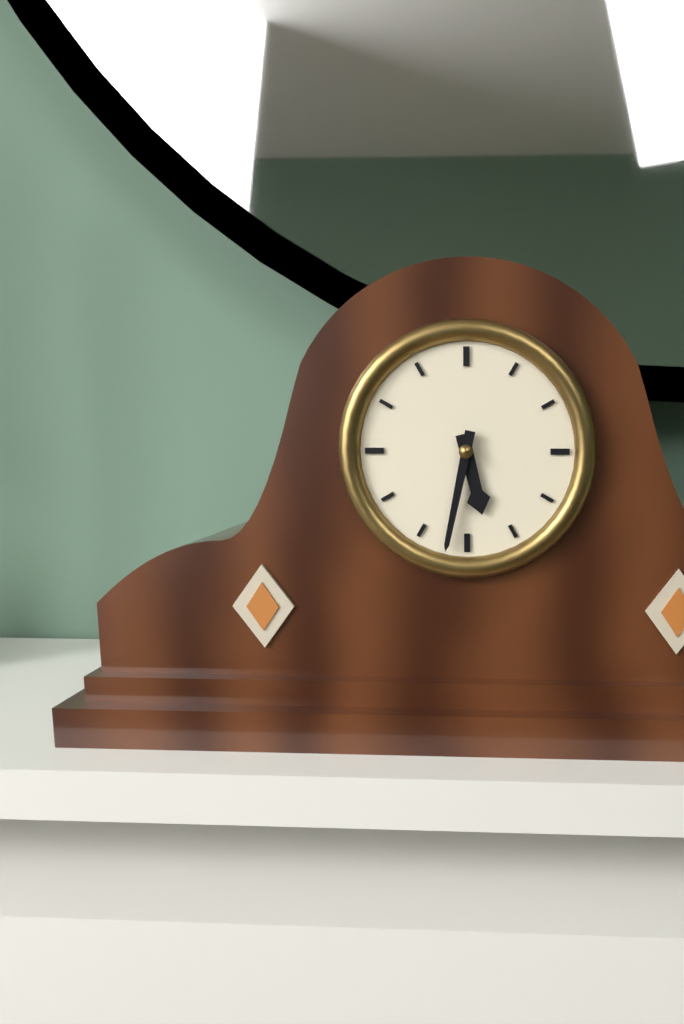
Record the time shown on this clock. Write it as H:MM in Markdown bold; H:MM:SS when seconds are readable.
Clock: **5:32**
